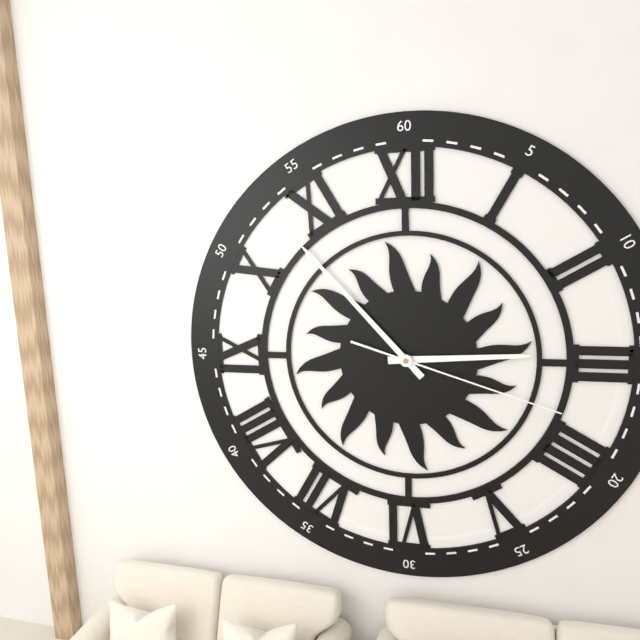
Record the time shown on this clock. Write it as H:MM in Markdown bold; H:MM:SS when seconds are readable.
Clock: **2:53:18**
